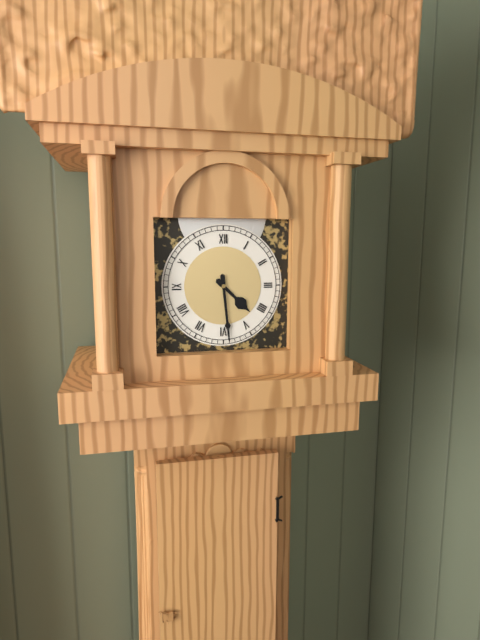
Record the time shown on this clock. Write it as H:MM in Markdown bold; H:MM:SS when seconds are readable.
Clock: **4:29**
